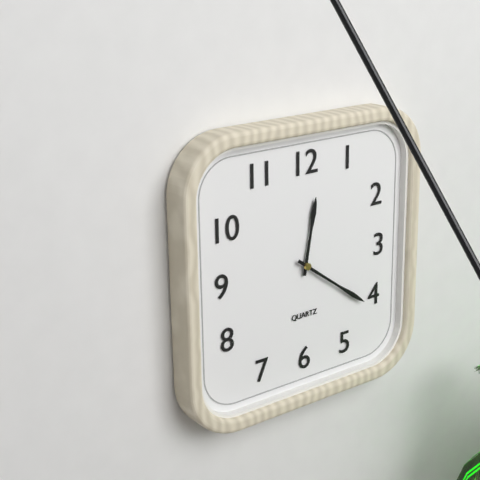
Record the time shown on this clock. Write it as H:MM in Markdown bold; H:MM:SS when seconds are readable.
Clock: **12:21**
